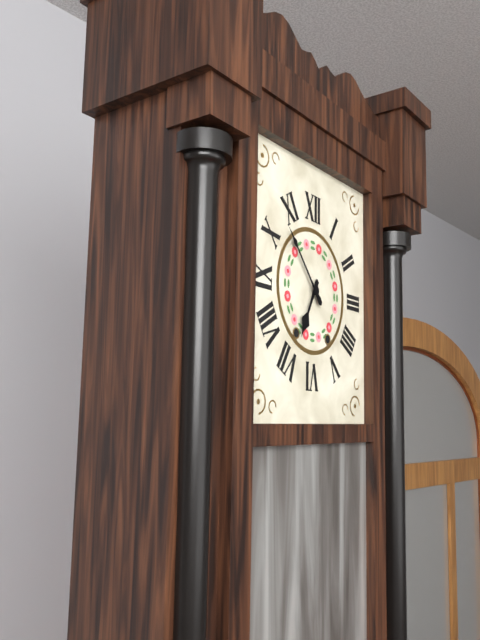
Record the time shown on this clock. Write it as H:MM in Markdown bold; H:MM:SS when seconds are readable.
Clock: **6:53**
